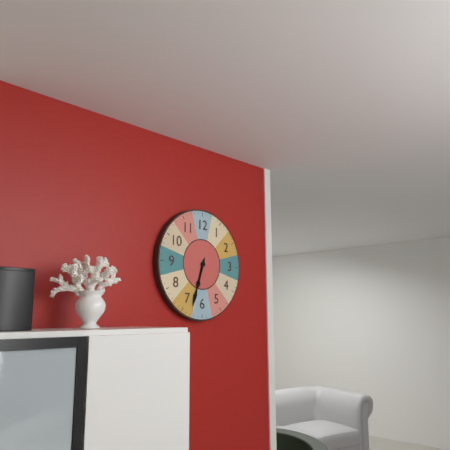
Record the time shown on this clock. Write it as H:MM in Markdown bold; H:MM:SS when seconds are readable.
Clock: **6:33**
